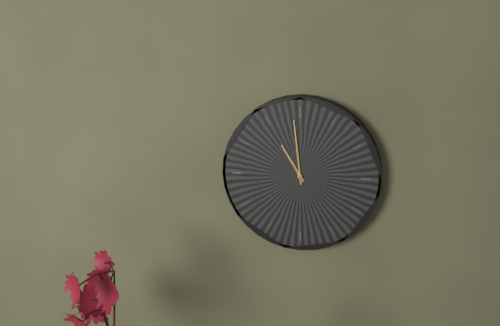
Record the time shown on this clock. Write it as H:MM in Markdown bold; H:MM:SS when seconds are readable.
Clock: **10:59**
